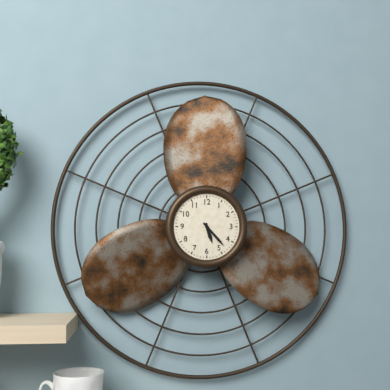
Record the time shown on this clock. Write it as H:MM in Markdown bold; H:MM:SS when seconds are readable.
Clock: **5:23**
